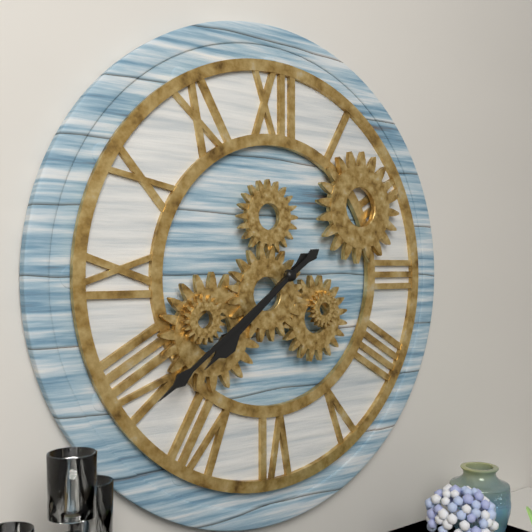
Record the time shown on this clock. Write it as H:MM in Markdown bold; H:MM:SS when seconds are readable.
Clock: **7:39**
